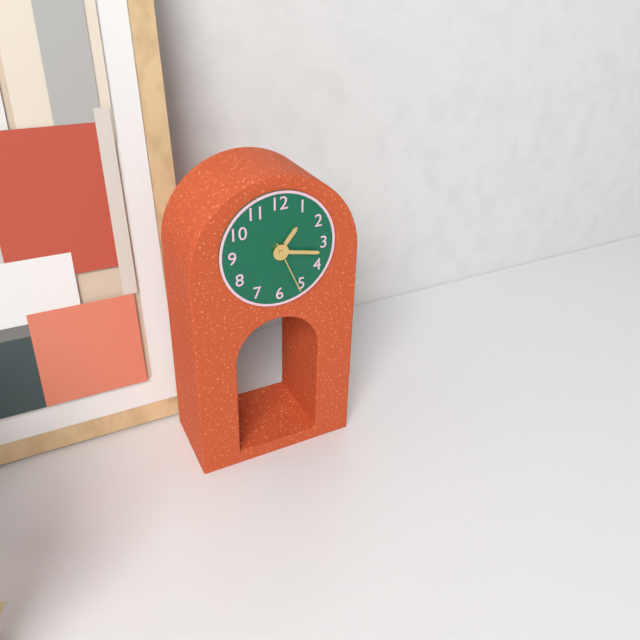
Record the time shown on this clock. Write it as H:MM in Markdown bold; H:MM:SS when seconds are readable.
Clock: **1:17:26**
